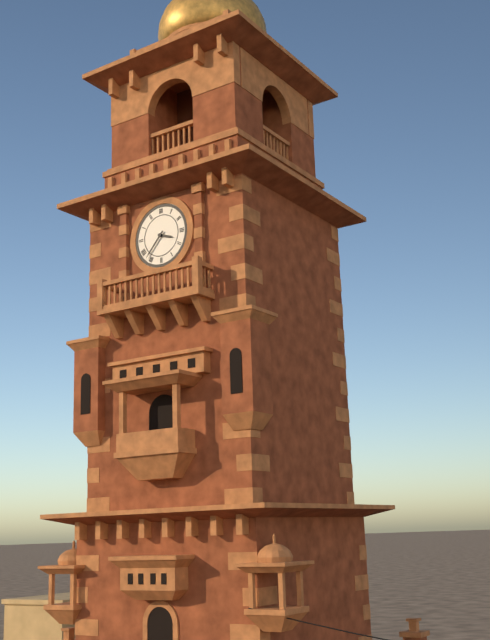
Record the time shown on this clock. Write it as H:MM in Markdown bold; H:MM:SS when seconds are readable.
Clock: **3:37**
